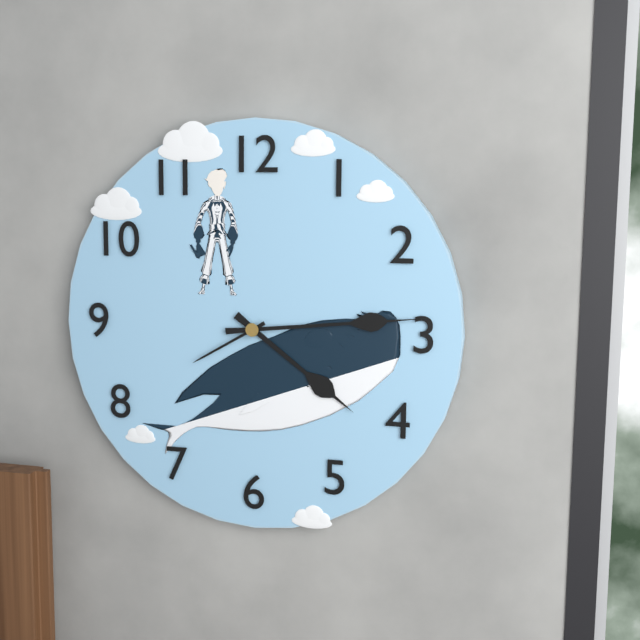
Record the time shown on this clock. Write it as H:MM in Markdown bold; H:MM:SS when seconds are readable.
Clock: **4:14:40**
